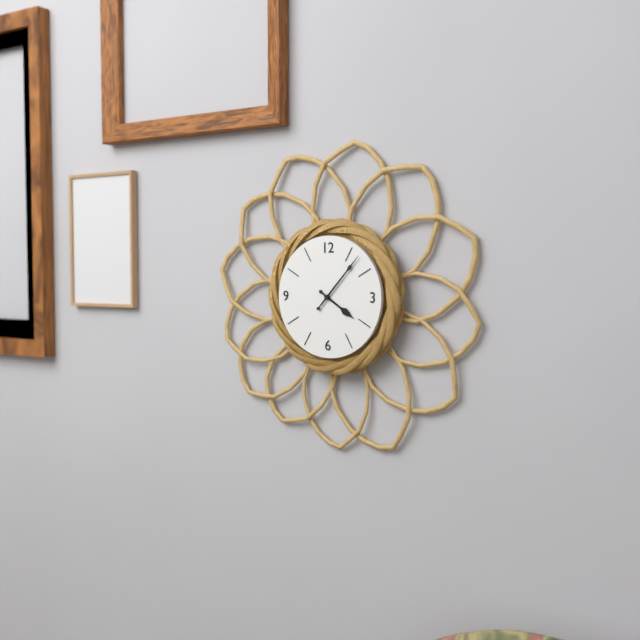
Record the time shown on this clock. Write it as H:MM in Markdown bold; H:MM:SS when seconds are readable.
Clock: **4:07**
